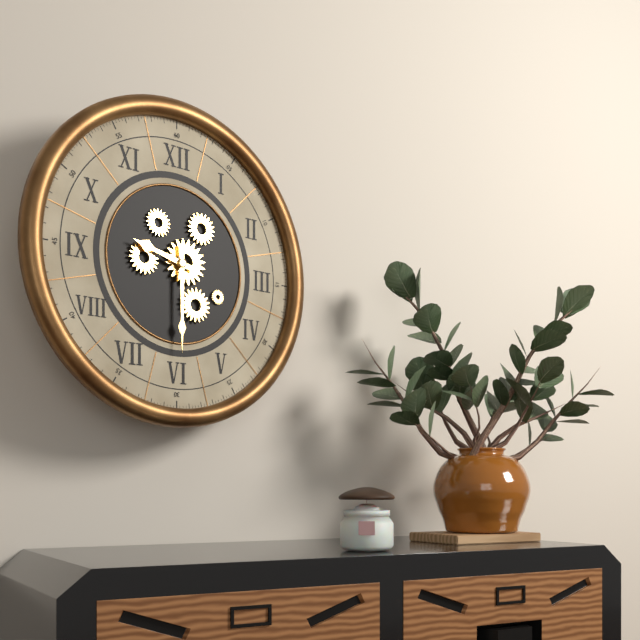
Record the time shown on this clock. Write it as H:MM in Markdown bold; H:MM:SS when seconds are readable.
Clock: **9:30**
